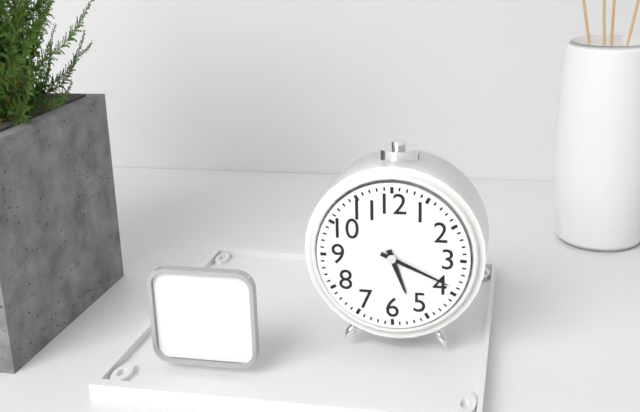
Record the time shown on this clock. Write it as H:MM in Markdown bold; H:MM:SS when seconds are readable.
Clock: **5:19**
